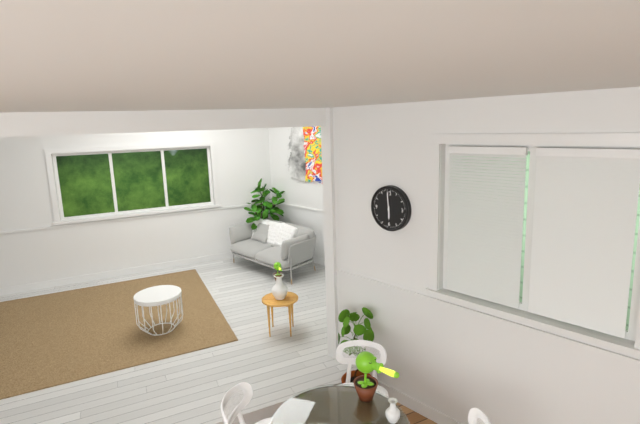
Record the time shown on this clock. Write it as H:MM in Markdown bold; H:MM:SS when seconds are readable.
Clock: **5:59**
